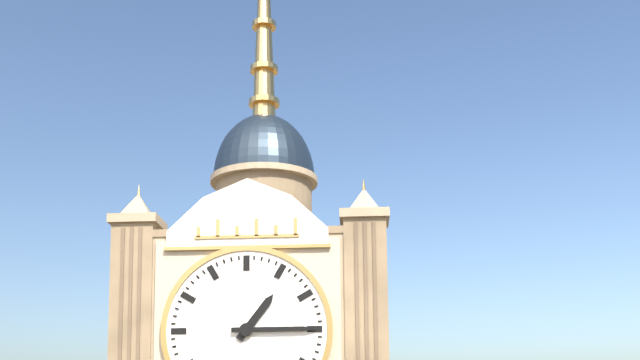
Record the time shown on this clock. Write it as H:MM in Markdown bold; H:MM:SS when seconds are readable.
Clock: **1:15**
